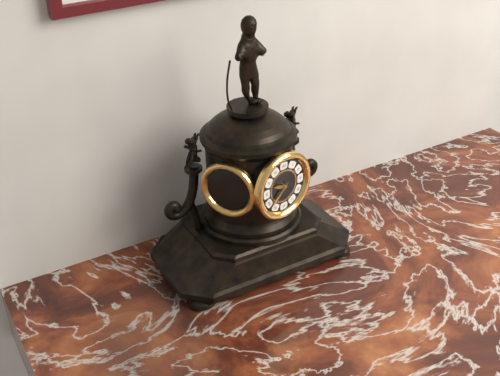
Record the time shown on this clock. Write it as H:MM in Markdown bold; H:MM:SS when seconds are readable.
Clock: **9:38**
